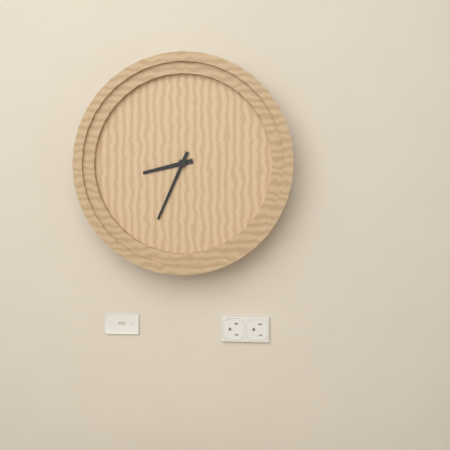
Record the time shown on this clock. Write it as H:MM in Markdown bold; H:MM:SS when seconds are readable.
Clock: **8:34**
